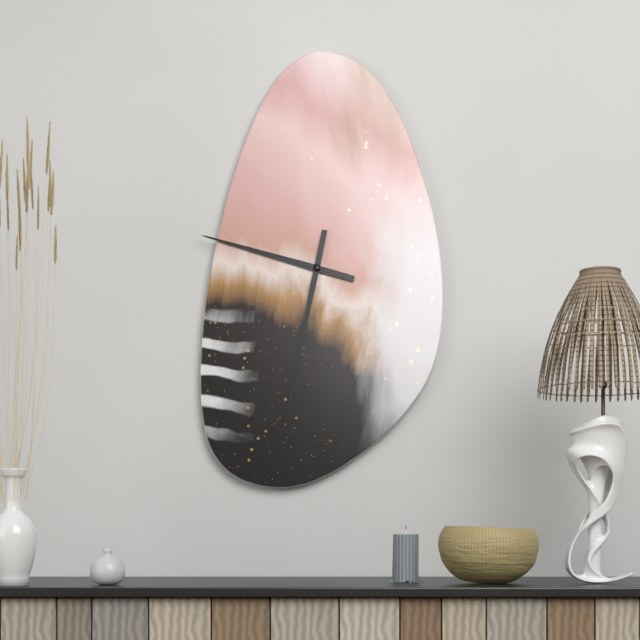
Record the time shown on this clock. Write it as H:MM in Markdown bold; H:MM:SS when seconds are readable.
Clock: **9:32**
